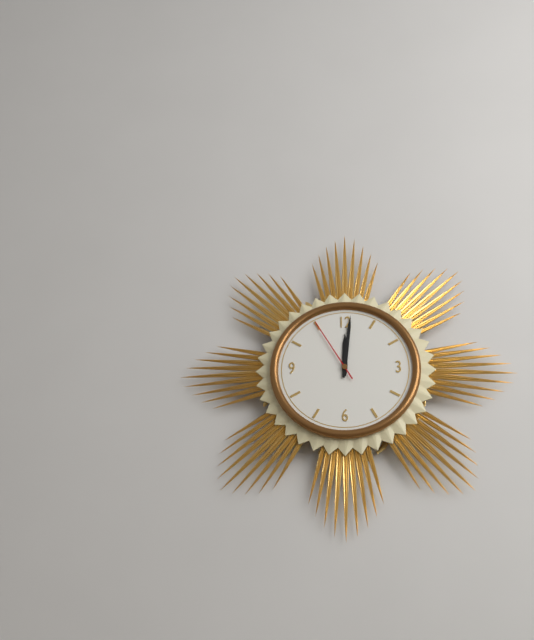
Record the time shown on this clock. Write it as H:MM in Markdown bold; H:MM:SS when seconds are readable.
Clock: **12:01:55**
